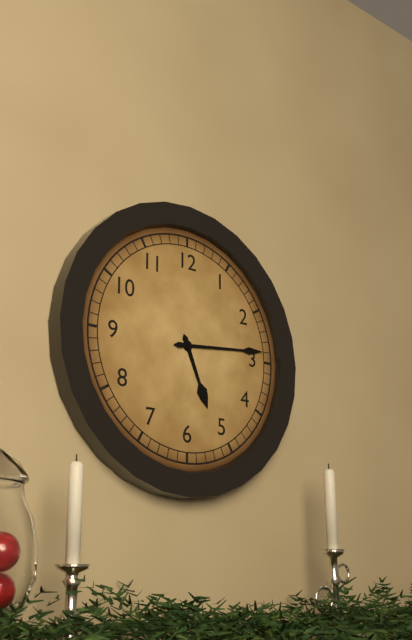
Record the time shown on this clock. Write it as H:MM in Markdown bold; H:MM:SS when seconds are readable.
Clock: **5:14**
